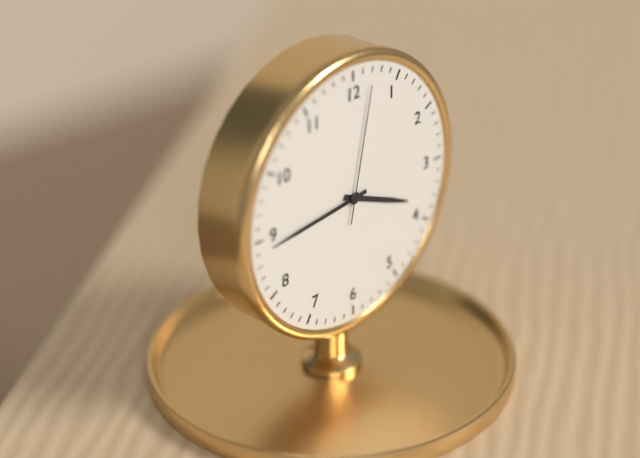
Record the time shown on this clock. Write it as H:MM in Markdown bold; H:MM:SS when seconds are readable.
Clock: **3:44:02**
